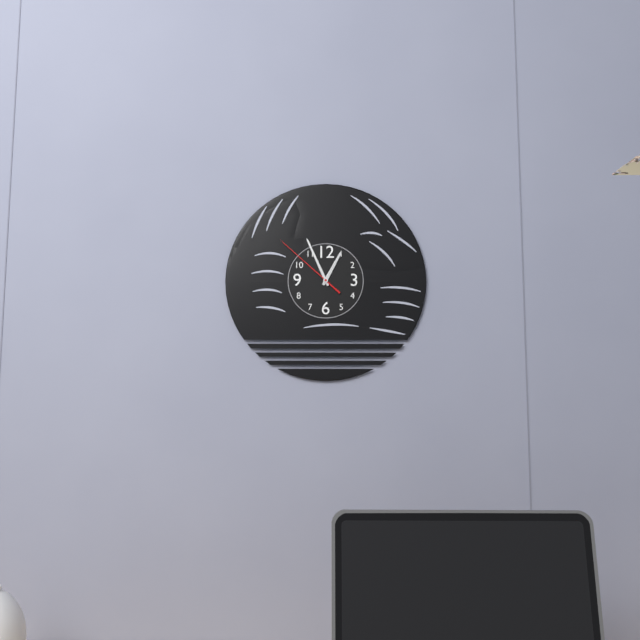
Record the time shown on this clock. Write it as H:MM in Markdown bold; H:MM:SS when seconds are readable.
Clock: **12:56:52**
